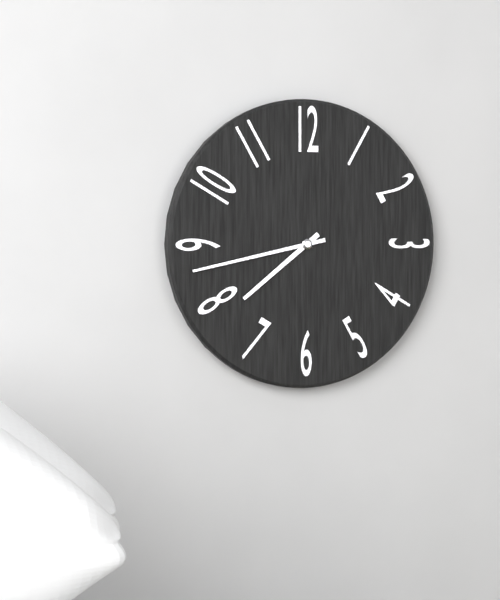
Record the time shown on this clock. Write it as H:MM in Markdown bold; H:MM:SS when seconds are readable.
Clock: **7:43**
